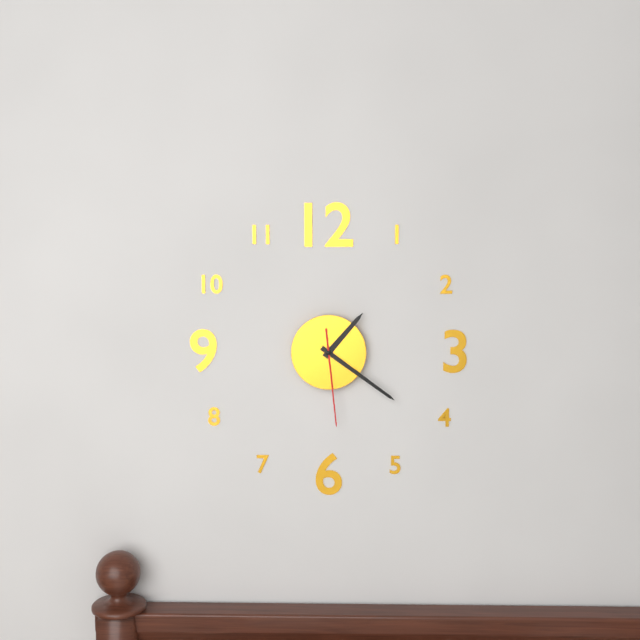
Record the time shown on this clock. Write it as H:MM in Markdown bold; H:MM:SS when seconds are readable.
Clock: **1:21:29**
